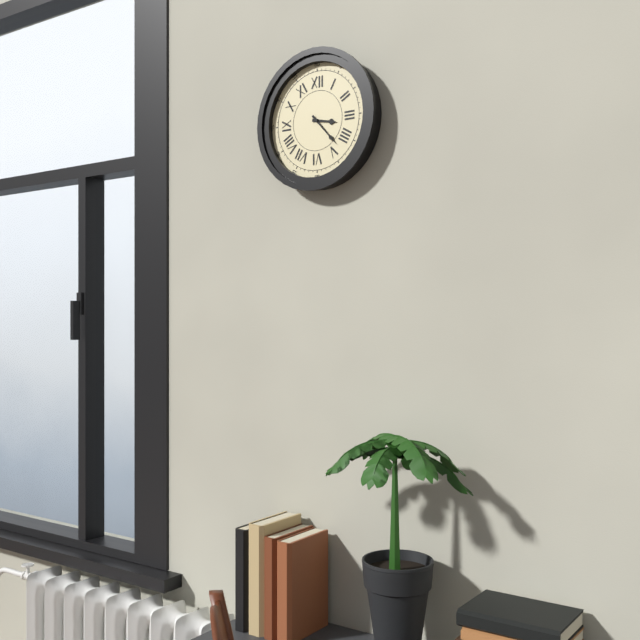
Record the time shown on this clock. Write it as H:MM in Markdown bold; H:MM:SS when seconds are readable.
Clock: **3:23**
